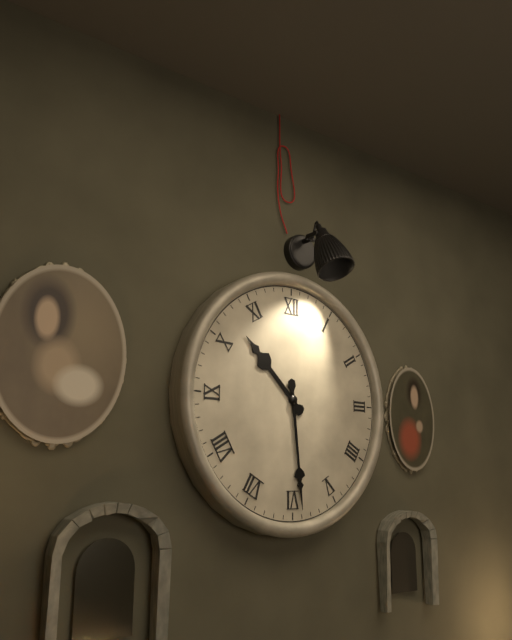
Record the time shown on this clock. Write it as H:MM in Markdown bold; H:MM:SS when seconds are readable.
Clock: **10:29**
